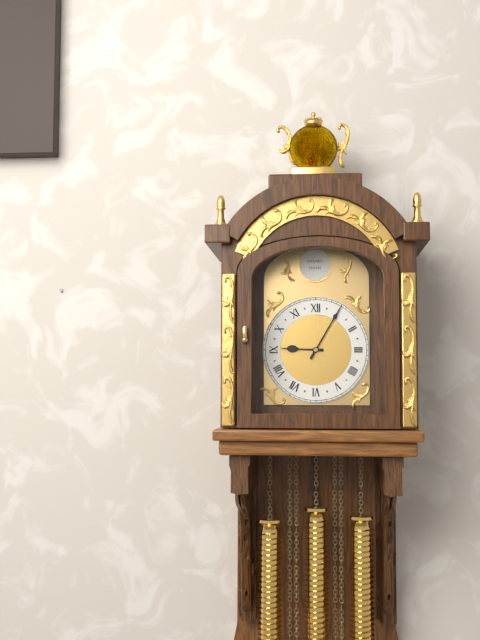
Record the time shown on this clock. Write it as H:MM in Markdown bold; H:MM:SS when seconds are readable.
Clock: **9:05**
